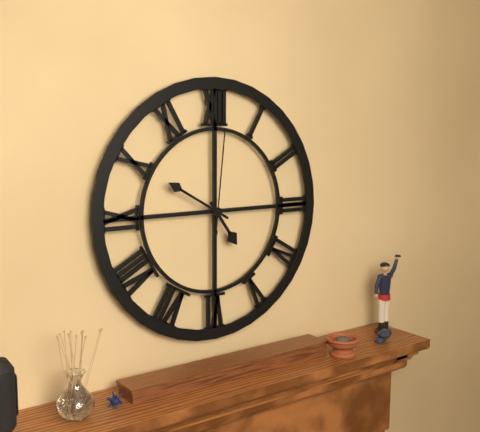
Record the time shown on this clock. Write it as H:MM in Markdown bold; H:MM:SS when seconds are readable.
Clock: **4:50:01**
